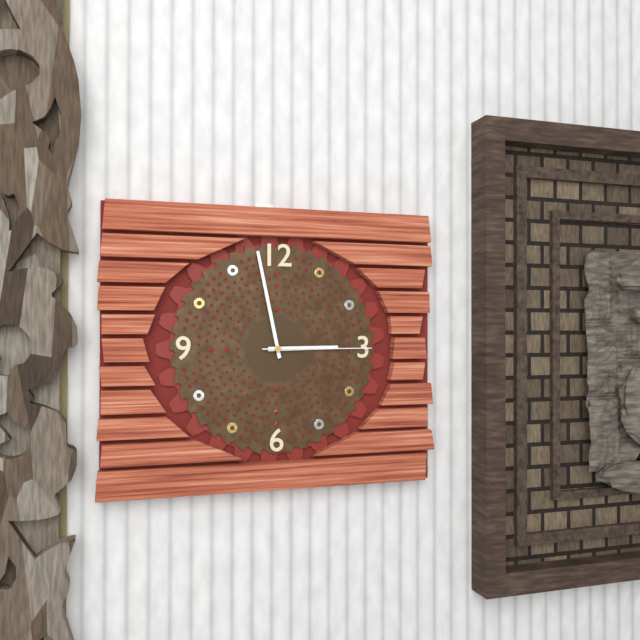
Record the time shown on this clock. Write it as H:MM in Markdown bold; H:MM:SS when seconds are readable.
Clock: **2:58:15**
